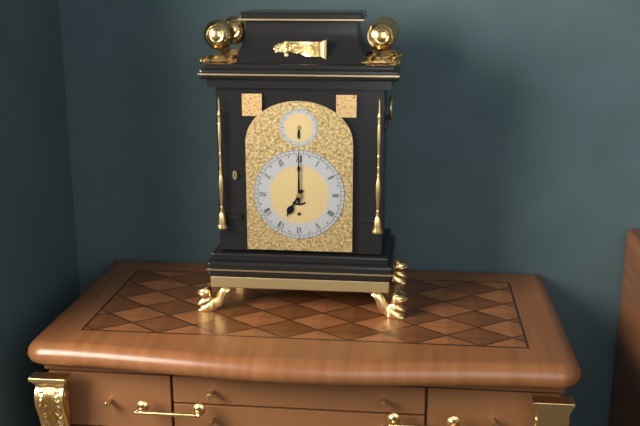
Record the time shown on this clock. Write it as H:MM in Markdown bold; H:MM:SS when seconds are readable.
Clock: **7:00**
